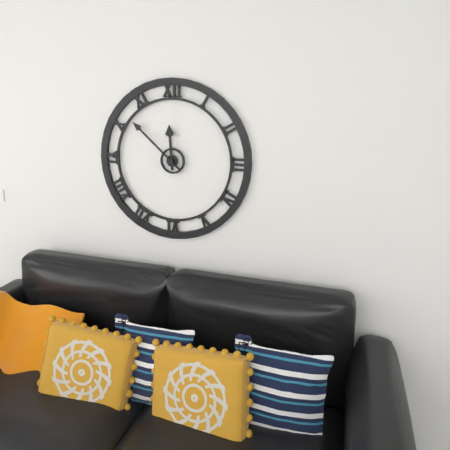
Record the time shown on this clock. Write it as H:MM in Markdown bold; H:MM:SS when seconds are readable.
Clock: **11:52**
